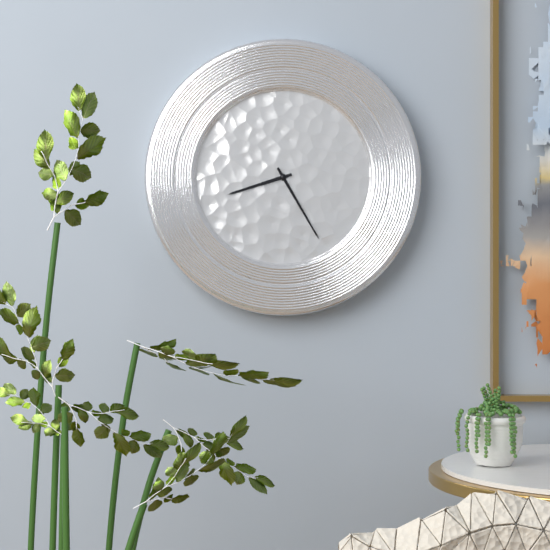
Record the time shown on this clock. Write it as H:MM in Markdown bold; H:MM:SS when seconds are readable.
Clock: **8:25**
